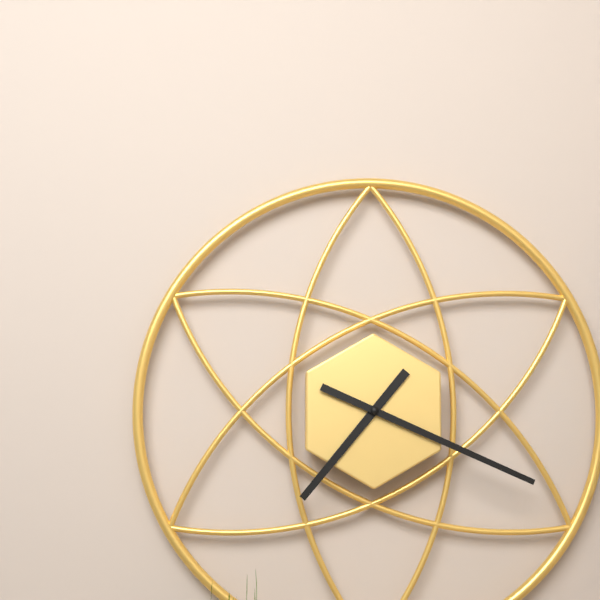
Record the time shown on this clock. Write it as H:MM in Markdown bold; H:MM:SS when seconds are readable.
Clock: **7:19**
